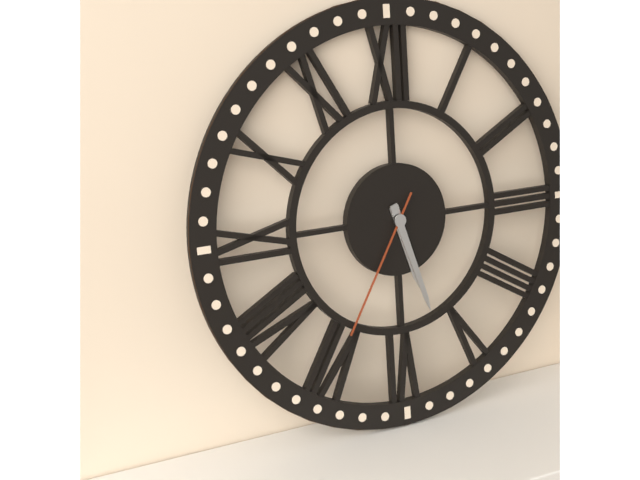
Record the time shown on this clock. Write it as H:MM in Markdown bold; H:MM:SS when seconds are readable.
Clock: **5:27:35**
